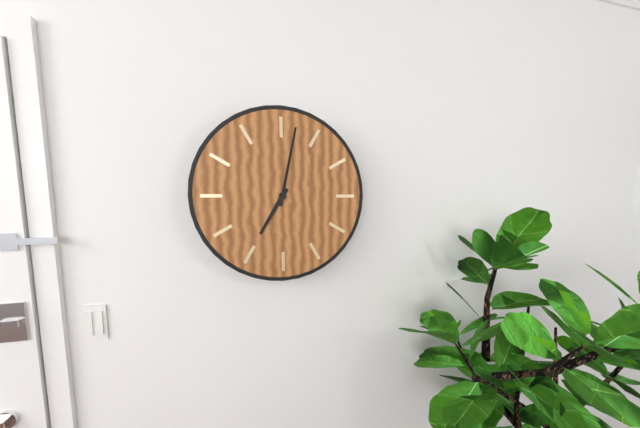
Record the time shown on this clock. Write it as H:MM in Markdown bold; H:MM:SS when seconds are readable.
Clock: **7:02**
